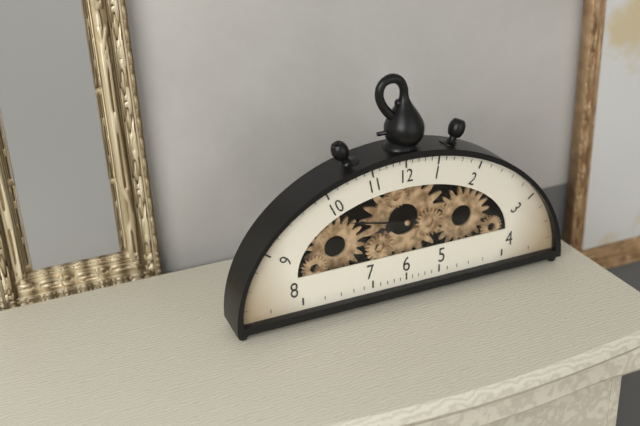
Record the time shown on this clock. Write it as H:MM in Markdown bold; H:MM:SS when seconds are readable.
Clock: **8:47**
